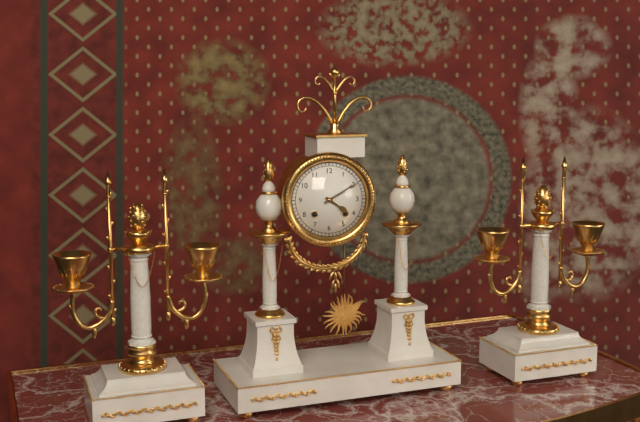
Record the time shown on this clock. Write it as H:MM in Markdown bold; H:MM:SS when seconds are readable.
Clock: **4:10**
